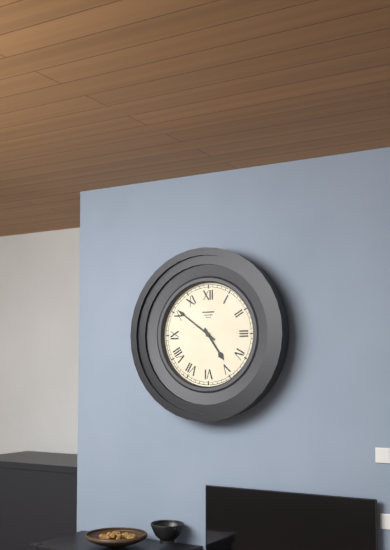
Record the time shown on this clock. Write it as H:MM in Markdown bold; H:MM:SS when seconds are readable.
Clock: **4:51**
